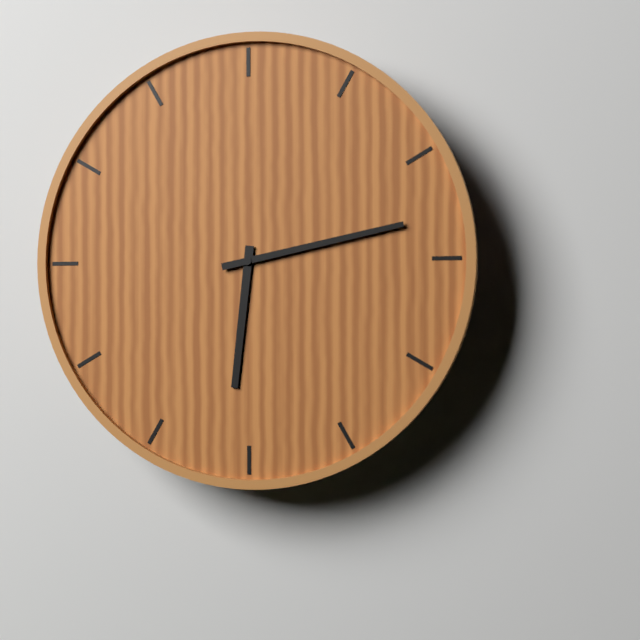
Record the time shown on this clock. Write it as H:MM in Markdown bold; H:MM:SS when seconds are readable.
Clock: **6:13**
